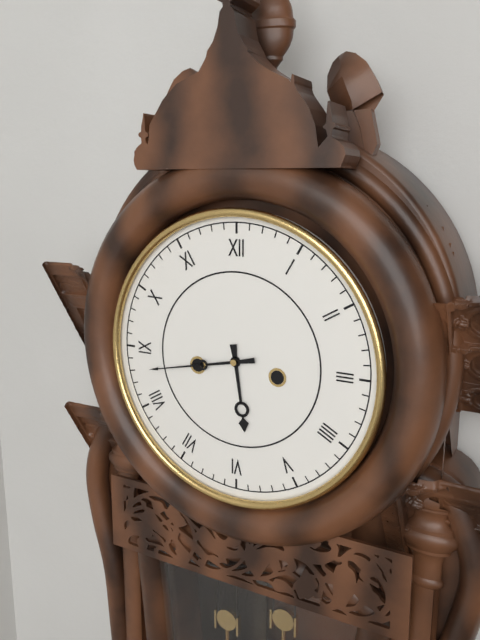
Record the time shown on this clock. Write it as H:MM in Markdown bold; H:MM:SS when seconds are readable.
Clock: **5:43**
